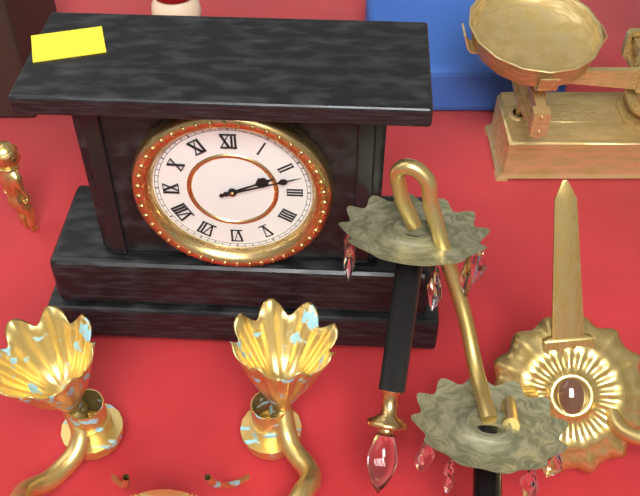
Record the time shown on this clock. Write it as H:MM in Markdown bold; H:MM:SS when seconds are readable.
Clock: **2:12**
